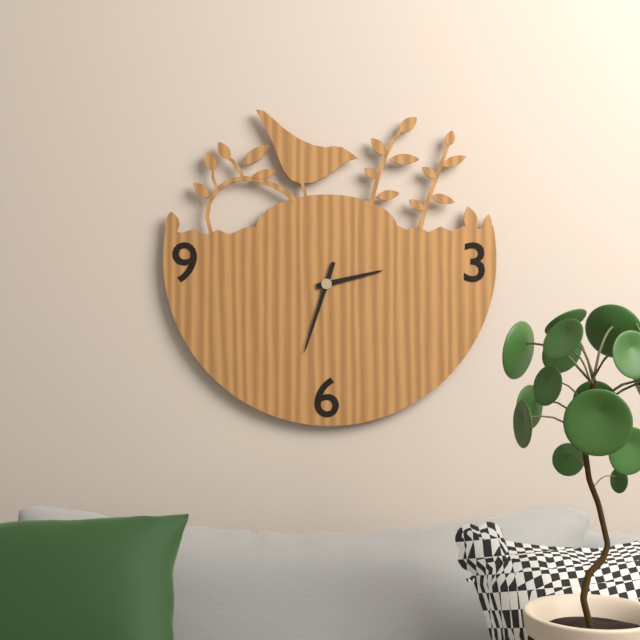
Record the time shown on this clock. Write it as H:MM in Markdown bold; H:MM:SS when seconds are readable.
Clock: **2:33**
